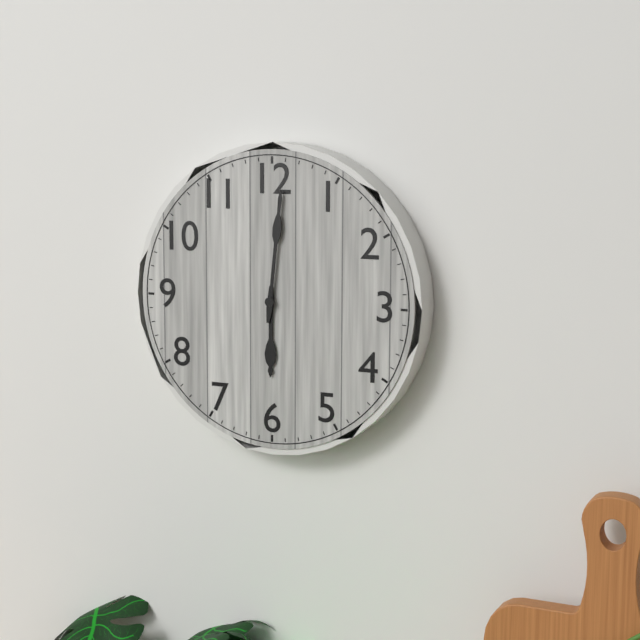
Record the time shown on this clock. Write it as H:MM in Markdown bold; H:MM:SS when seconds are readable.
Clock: **6:01**
